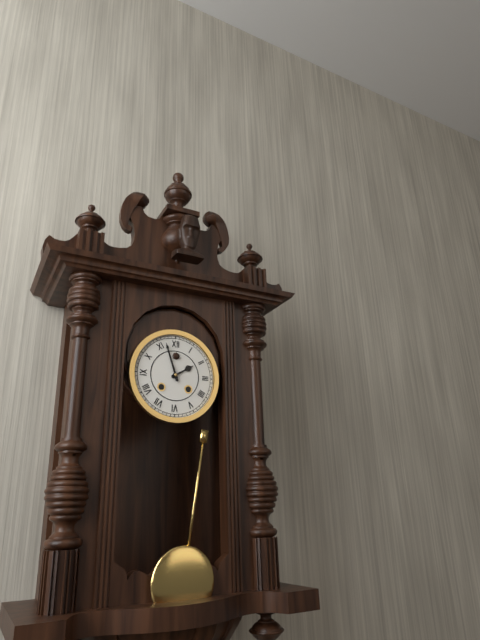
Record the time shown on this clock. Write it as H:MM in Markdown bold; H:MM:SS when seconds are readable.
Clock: **1:57**
